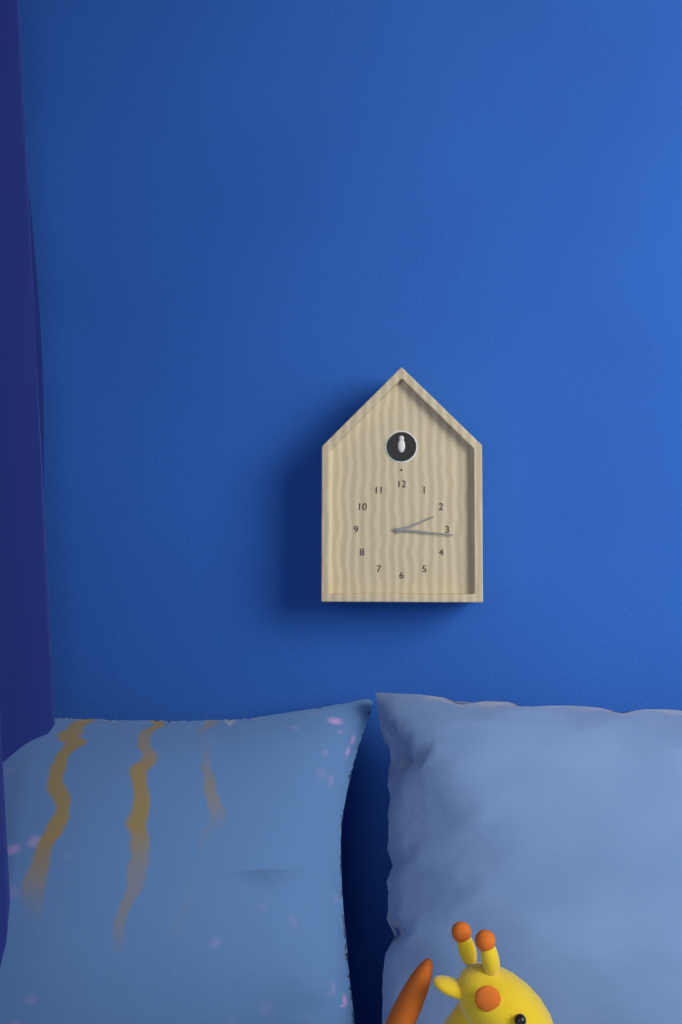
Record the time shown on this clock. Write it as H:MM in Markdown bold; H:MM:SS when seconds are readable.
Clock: **2:16**
